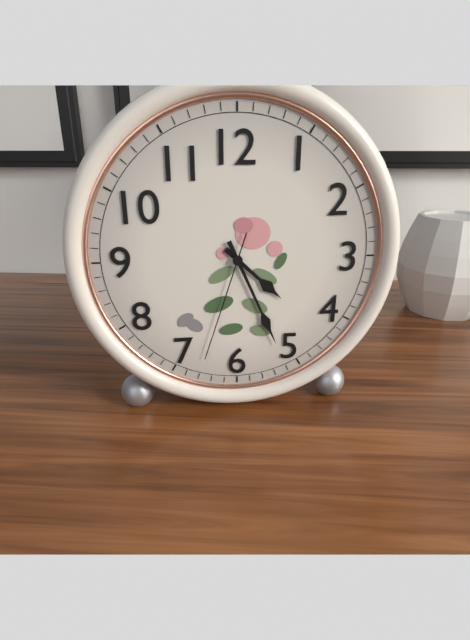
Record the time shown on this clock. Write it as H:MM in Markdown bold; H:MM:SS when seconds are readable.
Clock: **4:26:33**
